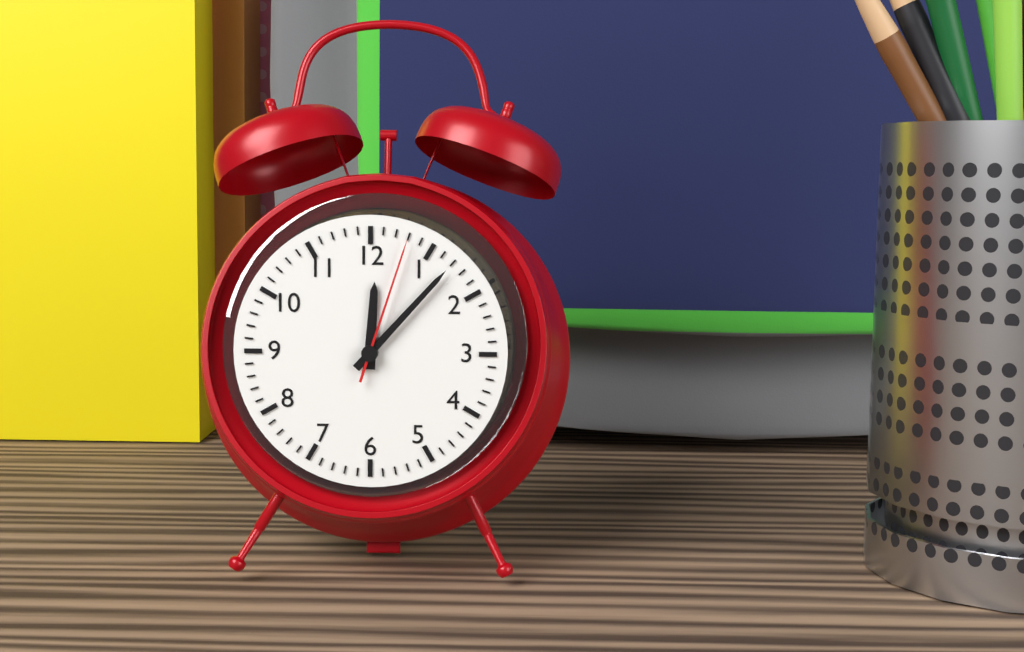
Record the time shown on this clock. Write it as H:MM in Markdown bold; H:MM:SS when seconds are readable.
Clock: **12:07:03**
